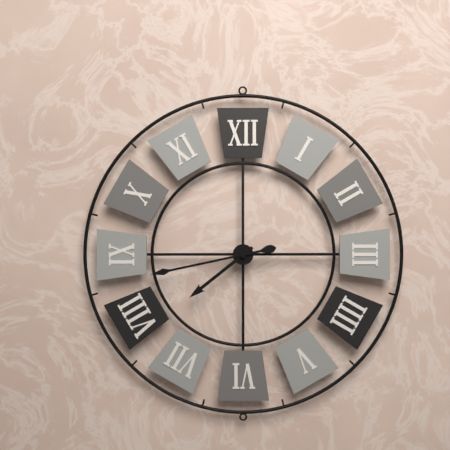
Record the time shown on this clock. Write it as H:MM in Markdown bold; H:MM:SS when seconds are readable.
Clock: **7:43**
